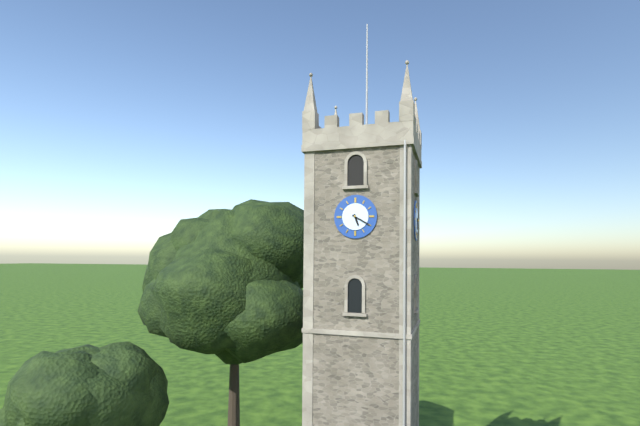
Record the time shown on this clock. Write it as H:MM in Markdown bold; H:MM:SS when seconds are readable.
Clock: **5:20**
